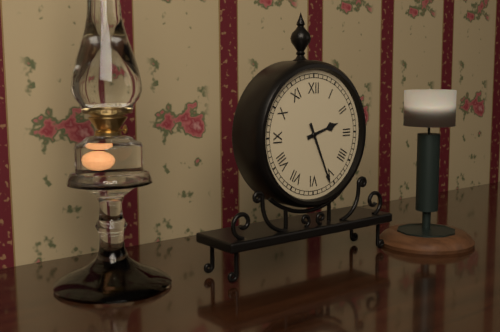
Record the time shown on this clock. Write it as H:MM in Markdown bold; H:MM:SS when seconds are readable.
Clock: **2:26**
